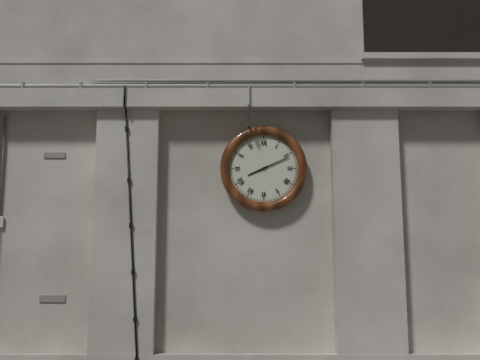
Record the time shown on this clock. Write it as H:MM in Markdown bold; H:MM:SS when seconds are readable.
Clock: **8:11**
